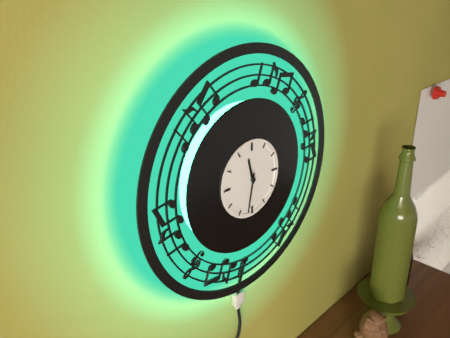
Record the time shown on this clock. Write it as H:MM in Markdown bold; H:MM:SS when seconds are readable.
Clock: **11:32**
